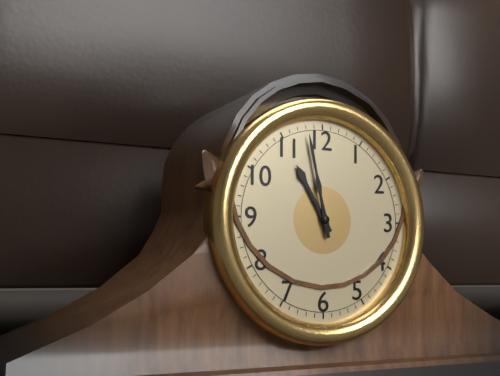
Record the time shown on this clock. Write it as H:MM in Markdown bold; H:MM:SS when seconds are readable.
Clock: **10:58**
